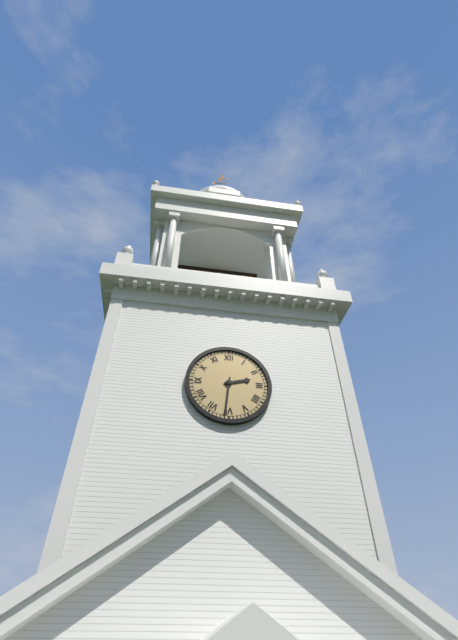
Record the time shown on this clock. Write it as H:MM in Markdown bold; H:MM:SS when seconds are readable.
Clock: **2:31**
